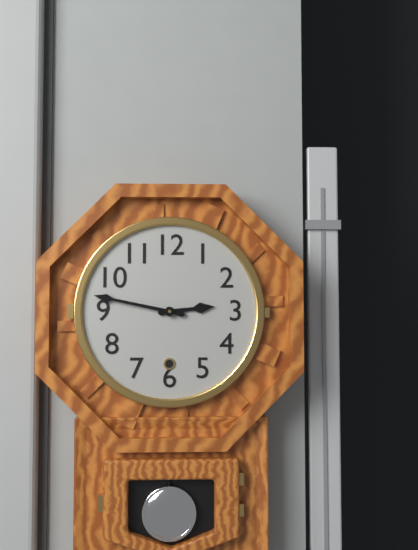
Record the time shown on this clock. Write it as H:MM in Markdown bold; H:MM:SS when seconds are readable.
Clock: **2:47**
